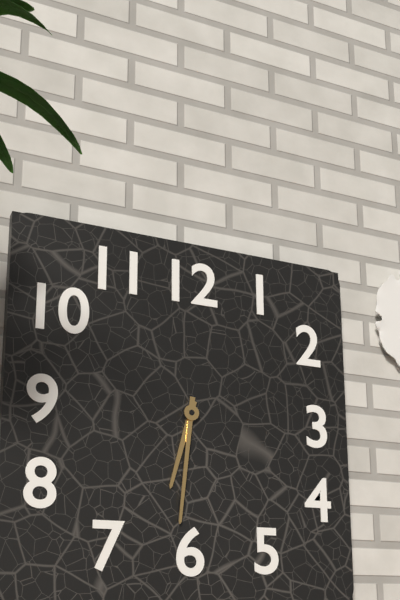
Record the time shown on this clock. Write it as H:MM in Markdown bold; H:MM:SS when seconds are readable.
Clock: **6:31**
